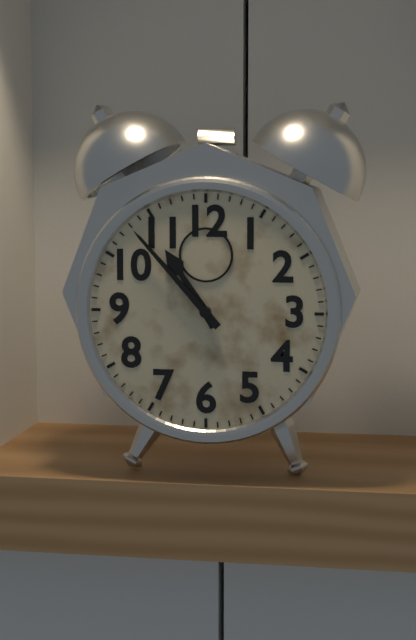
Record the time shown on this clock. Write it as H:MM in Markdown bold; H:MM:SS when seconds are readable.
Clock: **10:53**
